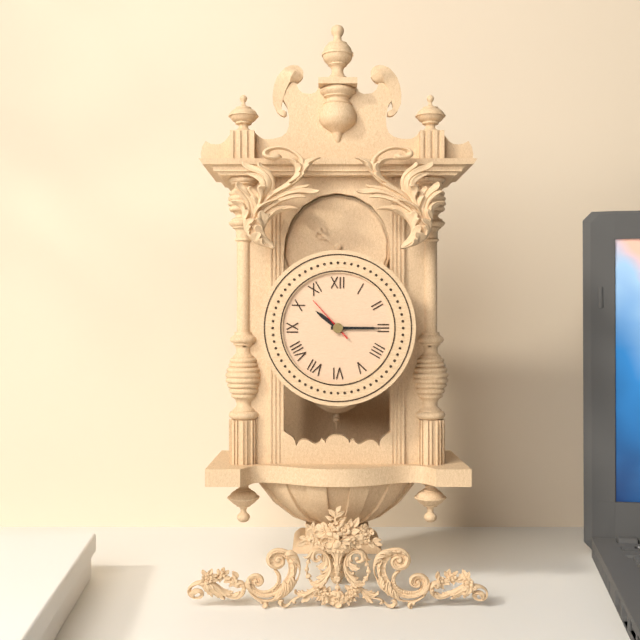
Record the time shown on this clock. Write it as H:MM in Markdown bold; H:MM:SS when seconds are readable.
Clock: **10:15**
